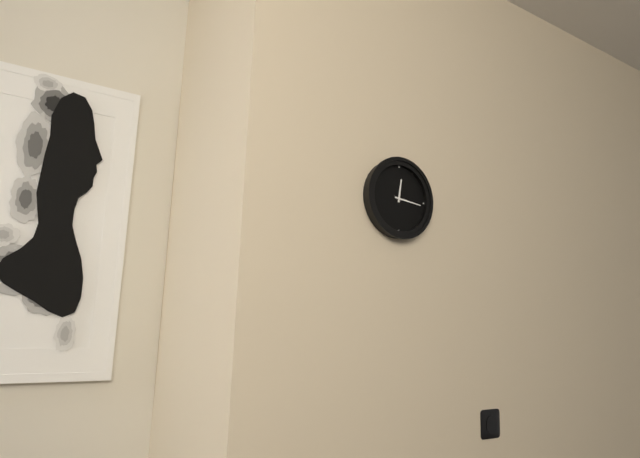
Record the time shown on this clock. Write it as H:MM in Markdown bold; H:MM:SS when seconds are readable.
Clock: **12:16**
